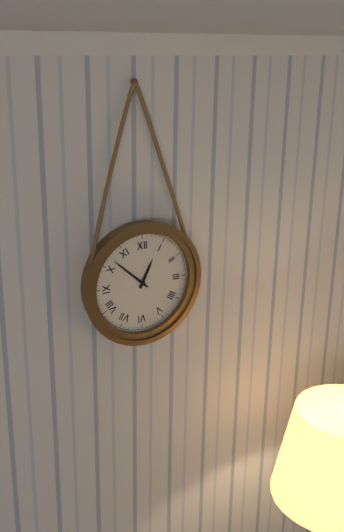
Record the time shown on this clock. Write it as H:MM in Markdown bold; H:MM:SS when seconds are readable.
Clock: **12:52**
